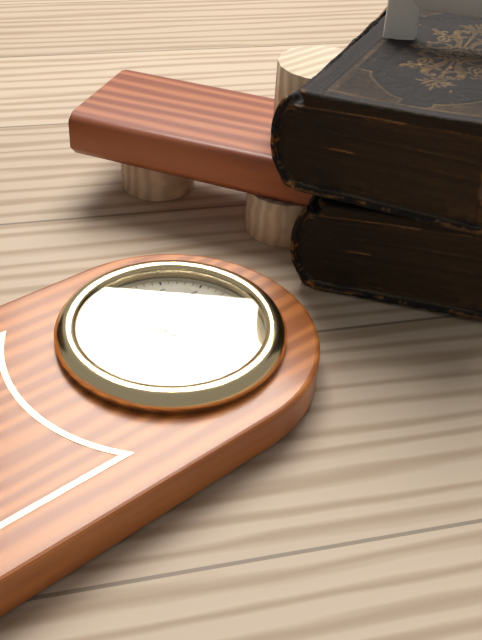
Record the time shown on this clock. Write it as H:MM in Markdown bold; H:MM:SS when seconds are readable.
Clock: **8:40**
